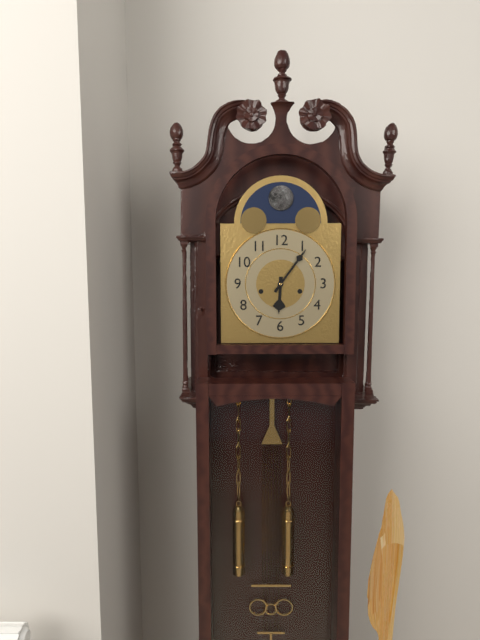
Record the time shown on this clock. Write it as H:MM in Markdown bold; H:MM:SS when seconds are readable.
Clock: **6:06**
